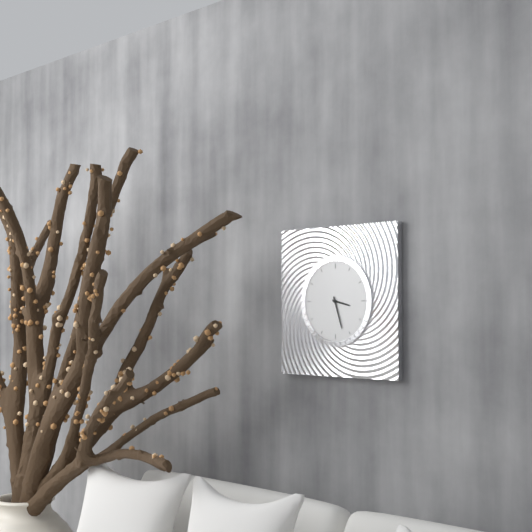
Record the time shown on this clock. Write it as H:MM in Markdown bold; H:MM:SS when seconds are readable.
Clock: **3:27**
